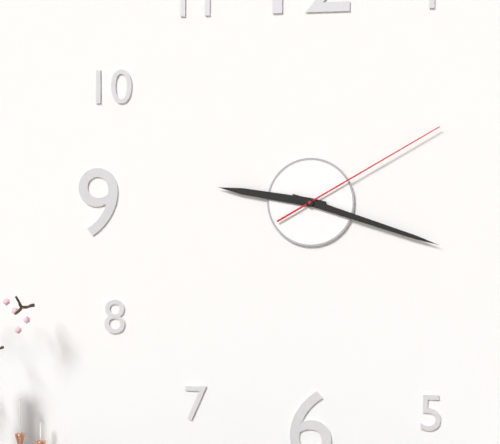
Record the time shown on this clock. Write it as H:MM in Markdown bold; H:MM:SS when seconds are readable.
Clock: **9:18:10**
